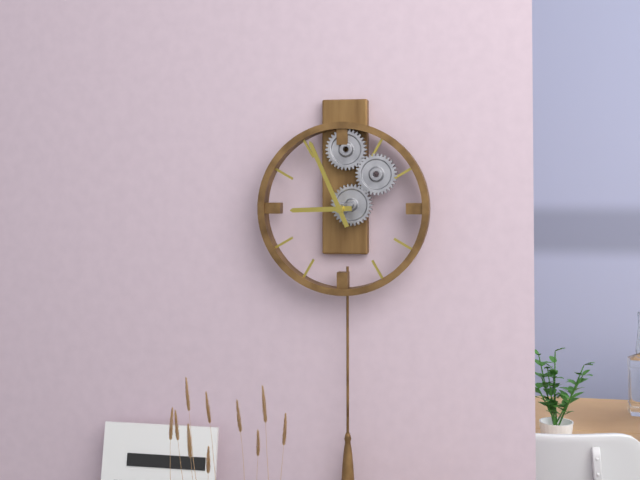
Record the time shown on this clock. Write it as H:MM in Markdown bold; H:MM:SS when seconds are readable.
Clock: **8:56**
